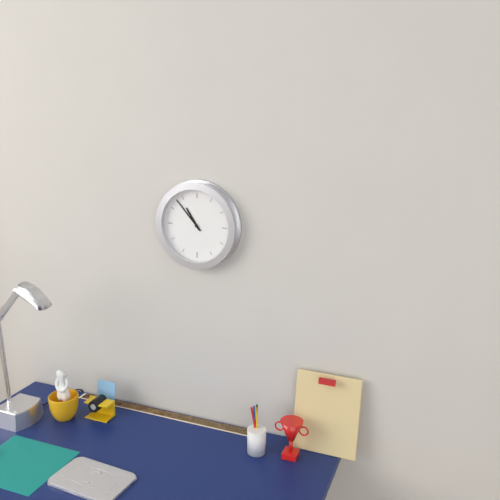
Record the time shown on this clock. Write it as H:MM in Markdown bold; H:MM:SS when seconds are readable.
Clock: **10:53**
